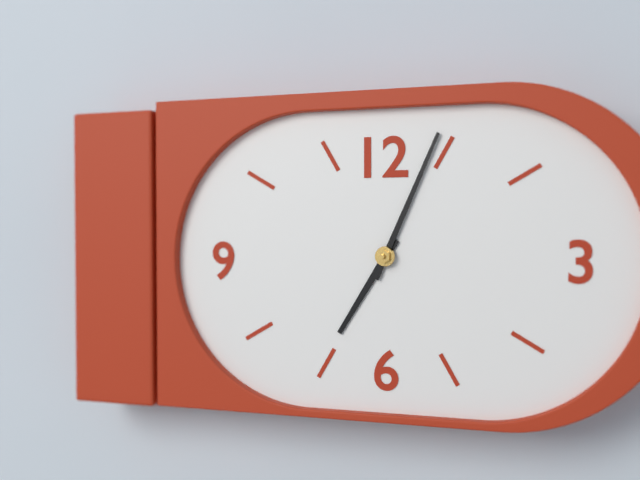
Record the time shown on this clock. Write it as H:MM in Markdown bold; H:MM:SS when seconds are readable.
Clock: **7:04**
